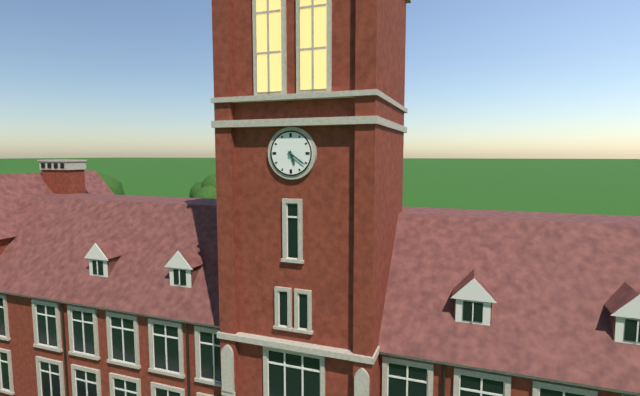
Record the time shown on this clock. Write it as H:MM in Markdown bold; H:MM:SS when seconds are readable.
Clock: **5:21**
